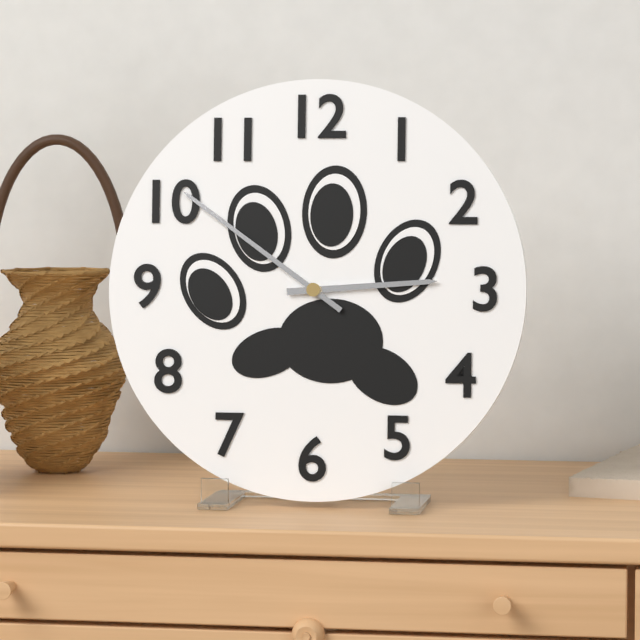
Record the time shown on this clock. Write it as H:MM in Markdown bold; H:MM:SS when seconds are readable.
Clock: **2:51**
